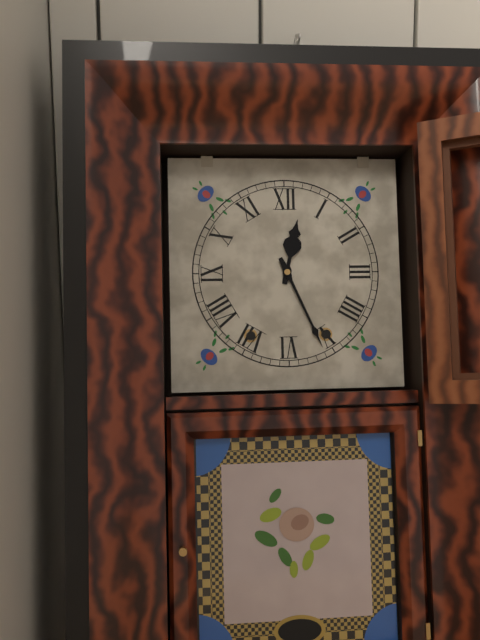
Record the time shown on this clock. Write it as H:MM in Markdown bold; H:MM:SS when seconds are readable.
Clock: **12:26**
